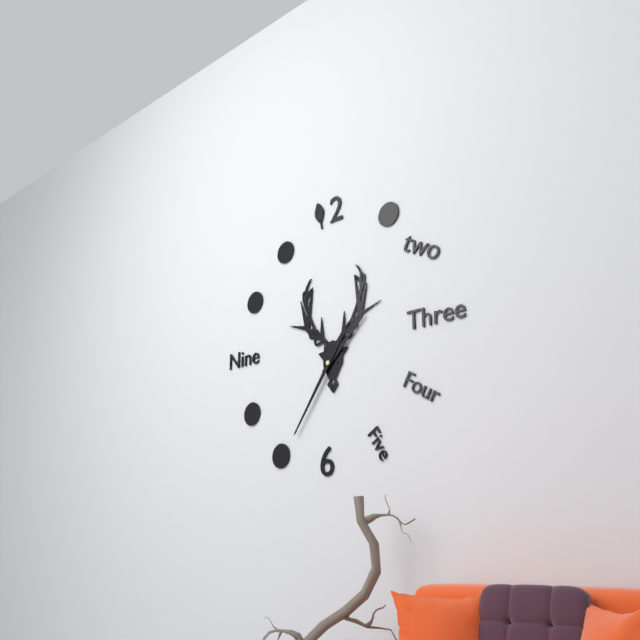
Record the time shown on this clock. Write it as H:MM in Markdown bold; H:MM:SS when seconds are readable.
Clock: **1:36**
